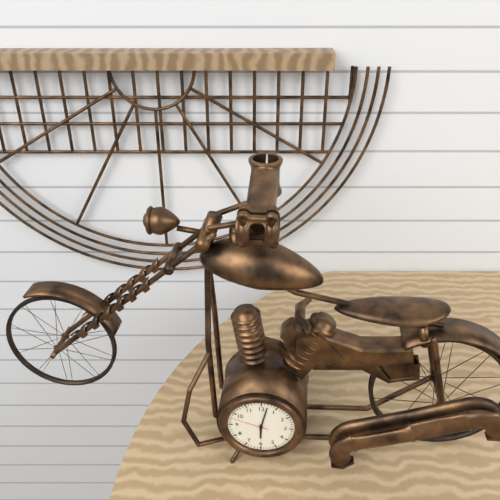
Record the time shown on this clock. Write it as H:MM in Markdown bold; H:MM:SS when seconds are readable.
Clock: **6:02**
